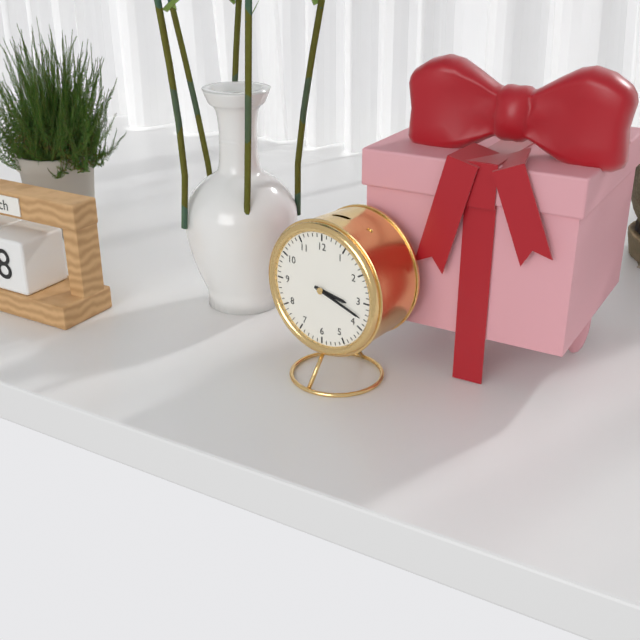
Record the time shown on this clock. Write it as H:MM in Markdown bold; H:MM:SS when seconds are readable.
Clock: **3:18**
